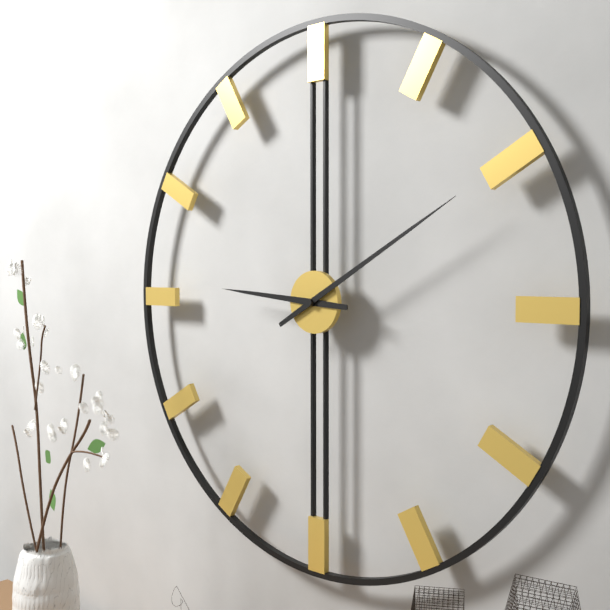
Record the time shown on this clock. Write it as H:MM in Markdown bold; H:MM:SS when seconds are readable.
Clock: **9:10**
